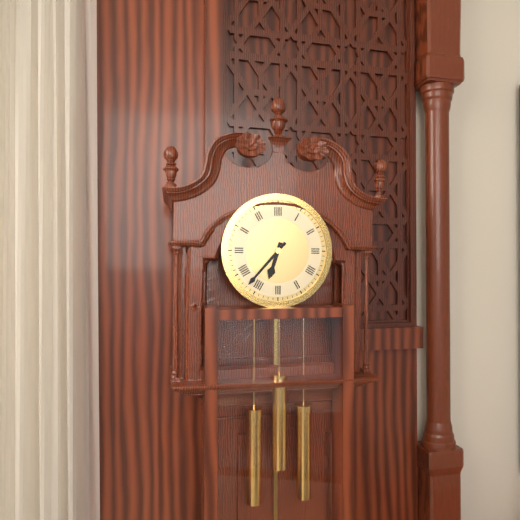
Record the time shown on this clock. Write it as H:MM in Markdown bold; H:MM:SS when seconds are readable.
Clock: **6:37**
